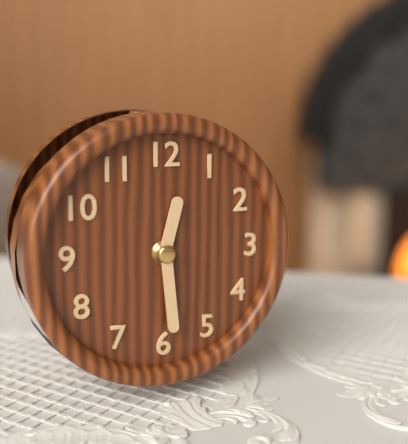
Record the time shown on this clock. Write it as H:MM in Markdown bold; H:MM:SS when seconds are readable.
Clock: **12:29**
